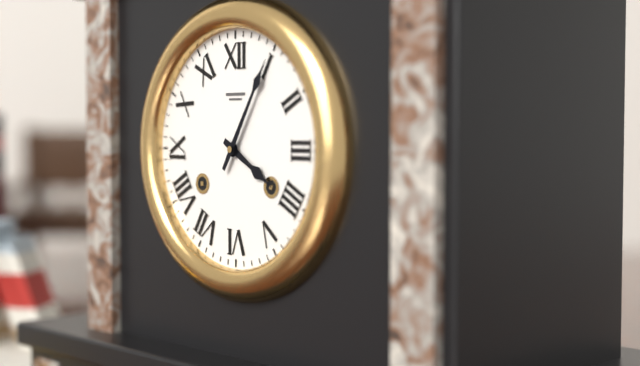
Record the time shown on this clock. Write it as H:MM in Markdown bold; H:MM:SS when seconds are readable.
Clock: **4:05**
